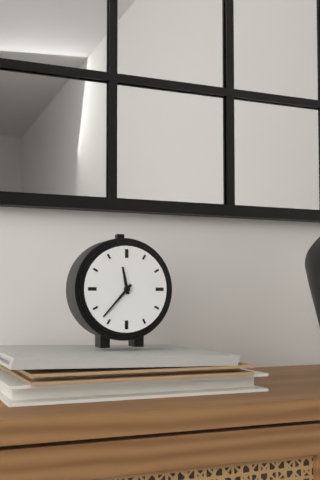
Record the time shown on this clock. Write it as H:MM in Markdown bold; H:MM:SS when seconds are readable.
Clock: **11:37**
